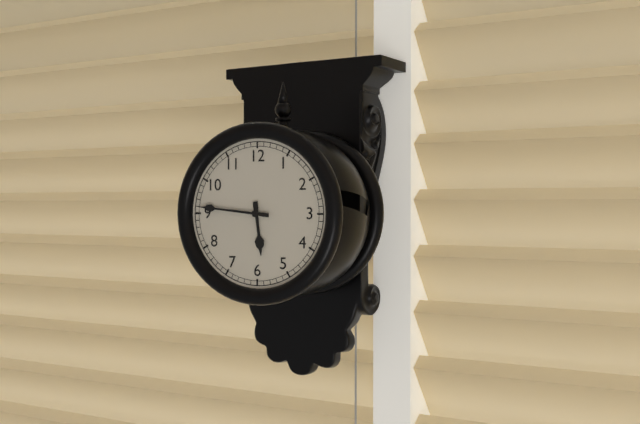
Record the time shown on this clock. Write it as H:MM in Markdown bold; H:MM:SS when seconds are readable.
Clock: **5:46**
